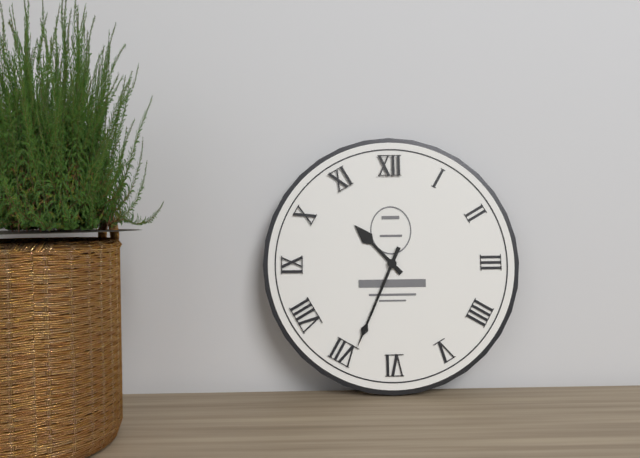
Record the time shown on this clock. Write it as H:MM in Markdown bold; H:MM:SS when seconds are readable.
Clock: **10:34**
